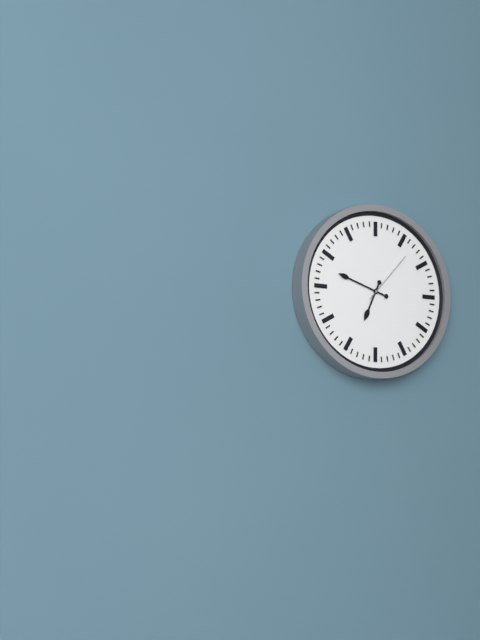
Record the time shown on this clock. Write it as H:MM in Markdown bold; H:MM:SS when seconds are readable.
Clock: **6:48:07**
